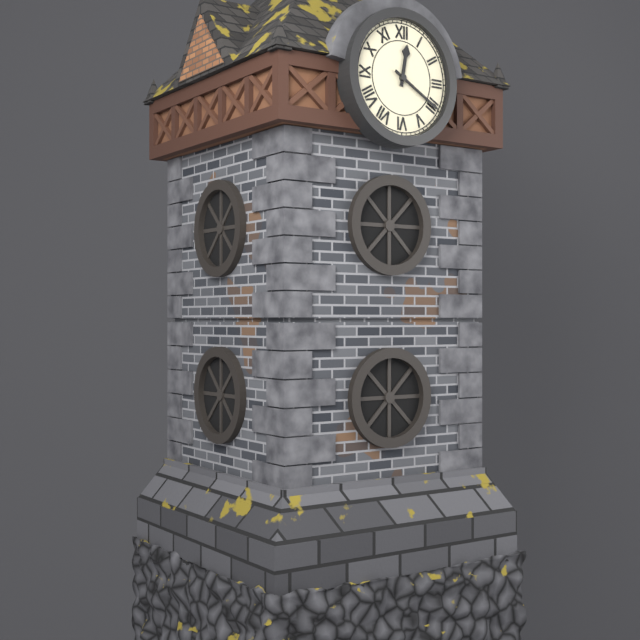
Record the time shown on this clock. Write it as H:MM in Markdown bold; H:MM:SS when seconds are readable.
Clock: **12:20**
